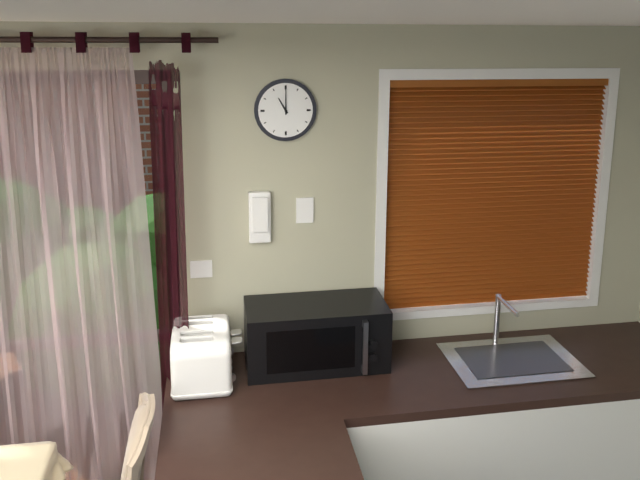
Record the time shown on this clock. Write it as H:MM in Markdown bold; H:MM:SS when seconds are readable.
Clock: **11:00**
